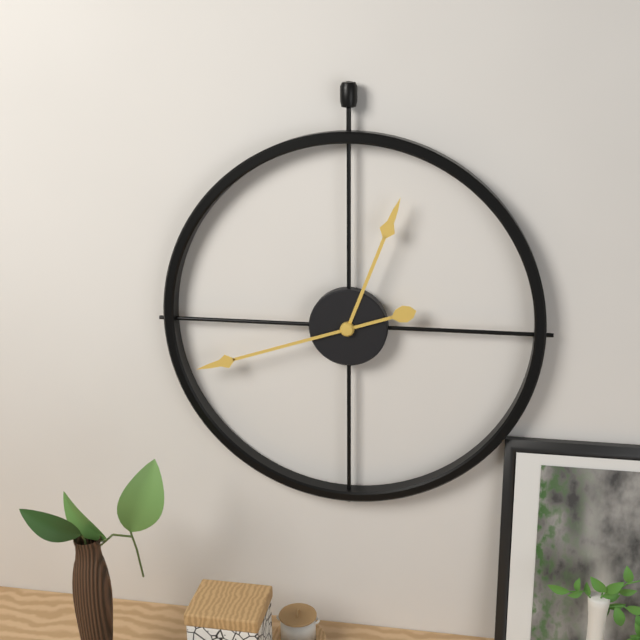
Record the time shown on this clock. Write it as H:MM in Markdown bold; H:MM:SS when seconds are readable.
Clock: **12:42**
